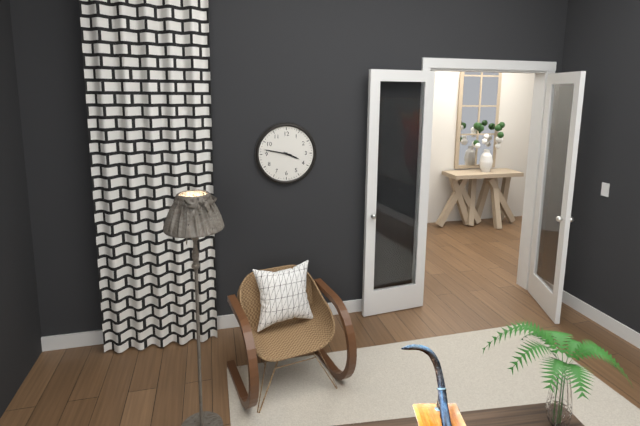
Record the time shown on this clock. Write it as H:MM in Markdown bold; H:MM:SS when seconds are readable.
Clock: **3:47**
